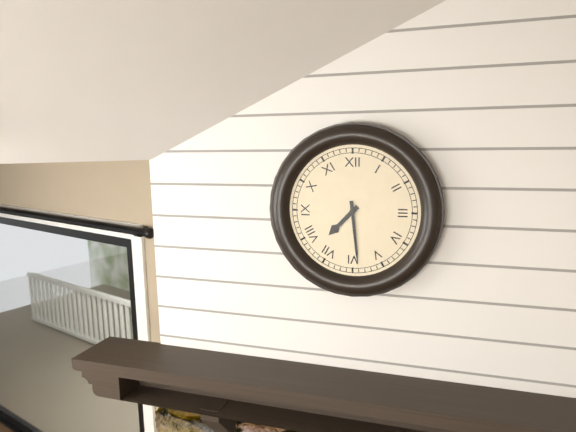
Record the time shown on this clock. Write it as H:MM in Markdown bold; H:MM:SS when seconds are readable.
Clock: **7:29**
